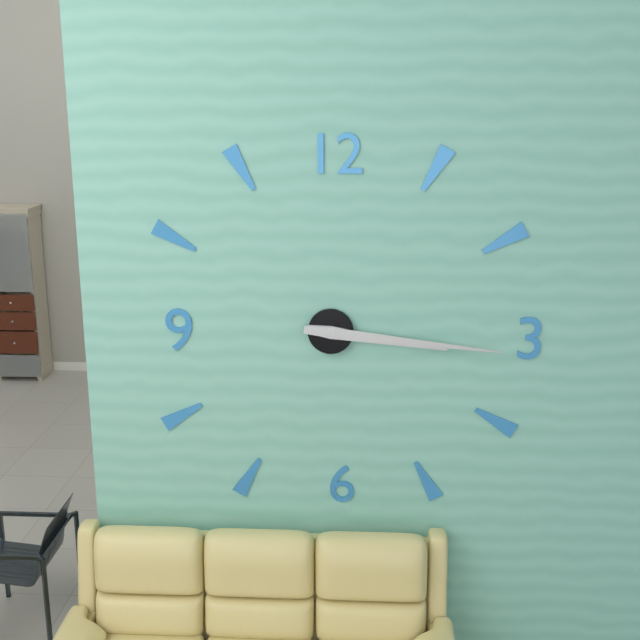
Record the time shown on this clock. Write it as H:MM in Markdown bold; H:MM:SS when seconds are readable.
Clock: **3:16**
